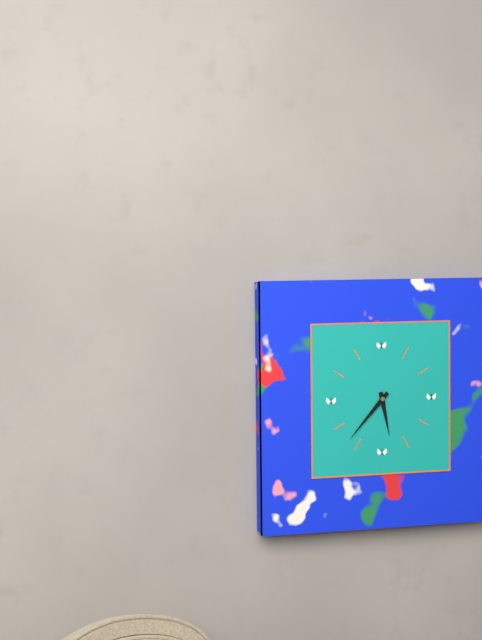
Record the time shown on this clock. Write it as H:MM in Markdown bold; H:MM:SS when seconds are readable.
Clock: **5:37**
